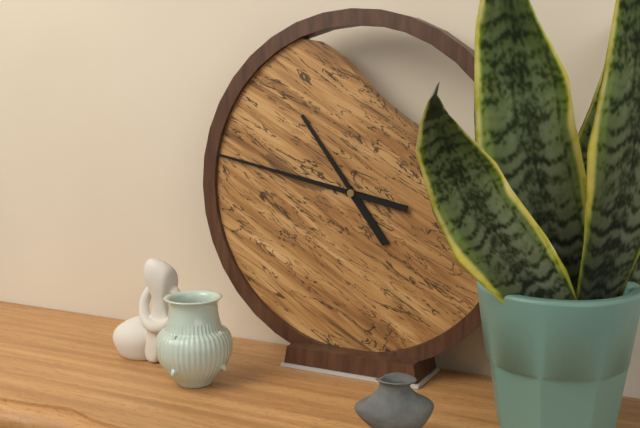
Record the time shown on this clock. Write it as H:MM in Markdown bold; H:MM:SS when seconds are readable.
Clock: **10:47**
